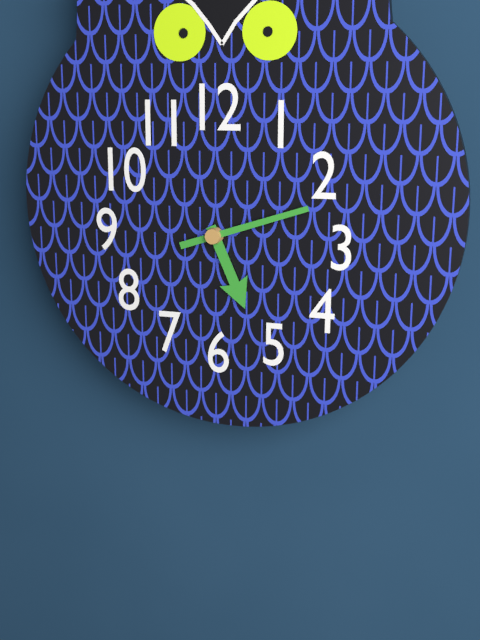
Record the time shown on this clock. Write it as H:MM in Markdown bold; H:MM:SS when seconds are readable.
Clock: **5:12**
